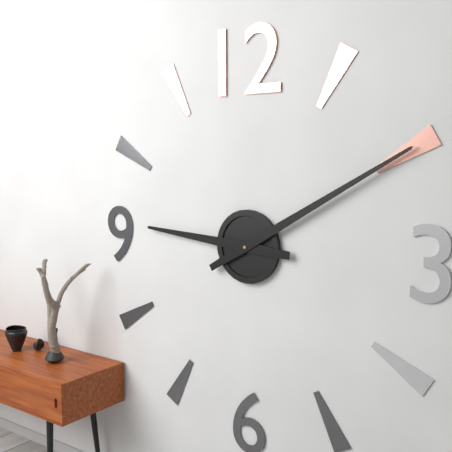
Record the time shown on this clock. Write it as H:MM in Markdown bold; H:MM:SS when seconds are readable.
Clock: **9:10**
